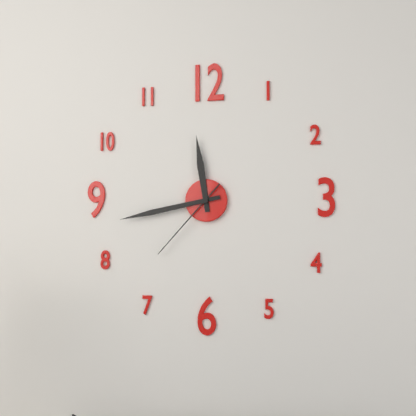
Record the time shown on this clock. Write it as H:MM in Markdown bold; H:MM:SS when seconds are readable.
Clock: **11:43:37**
